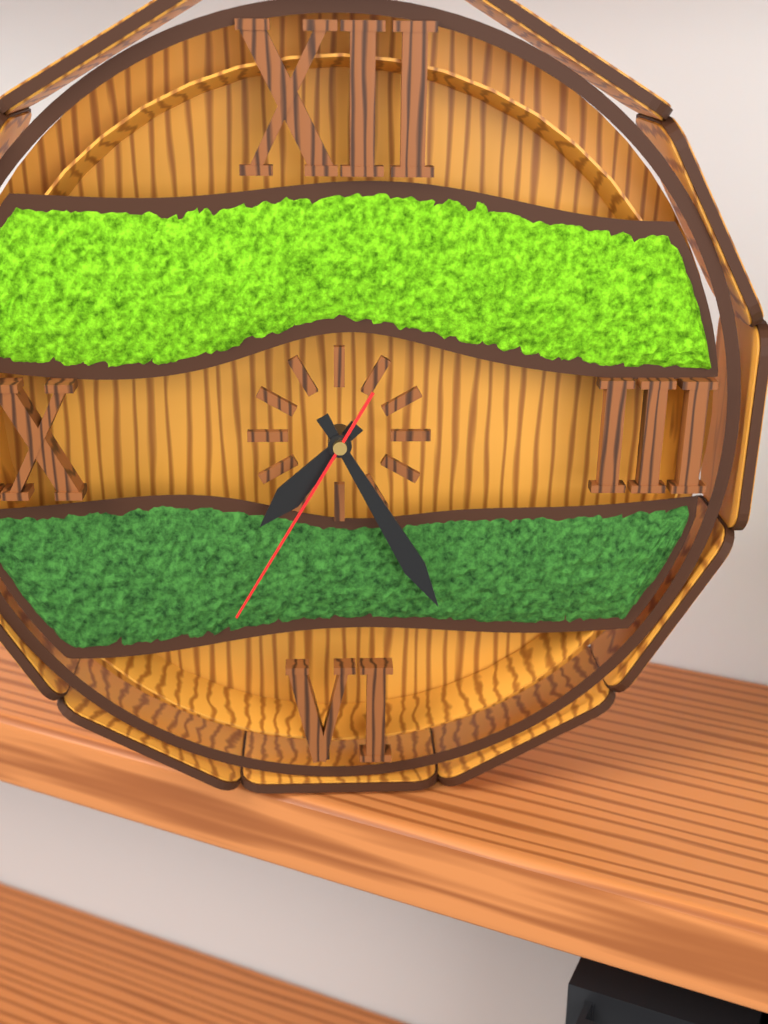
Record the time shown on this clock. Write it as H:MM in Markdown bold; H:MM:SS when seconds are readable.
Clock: **7:25:35**
